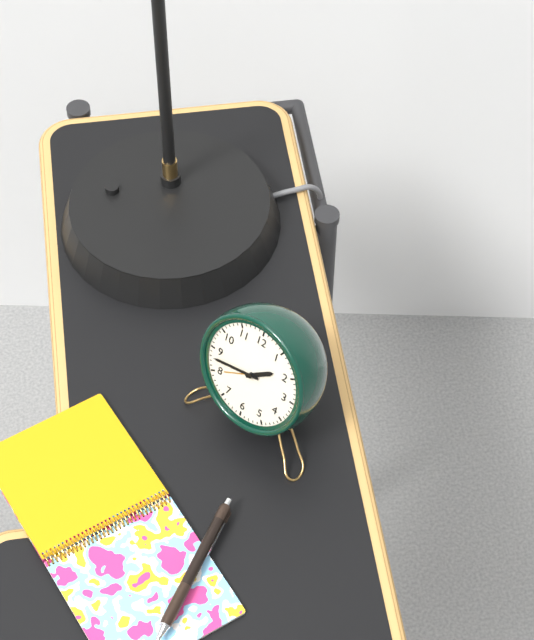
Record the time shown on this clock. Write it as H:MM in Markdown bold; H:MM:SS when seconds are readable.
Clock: **1:43**
